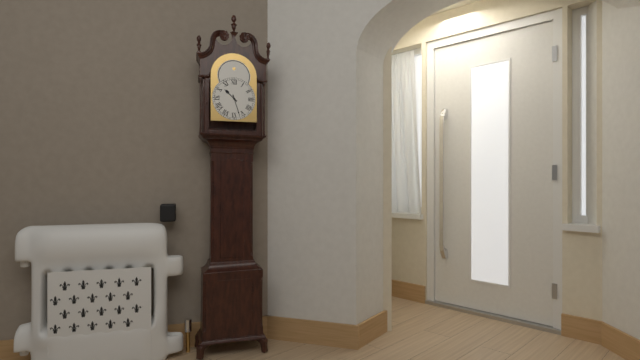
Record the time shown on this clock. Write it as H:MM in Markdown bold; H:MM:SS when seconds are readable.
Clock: **10:27**
